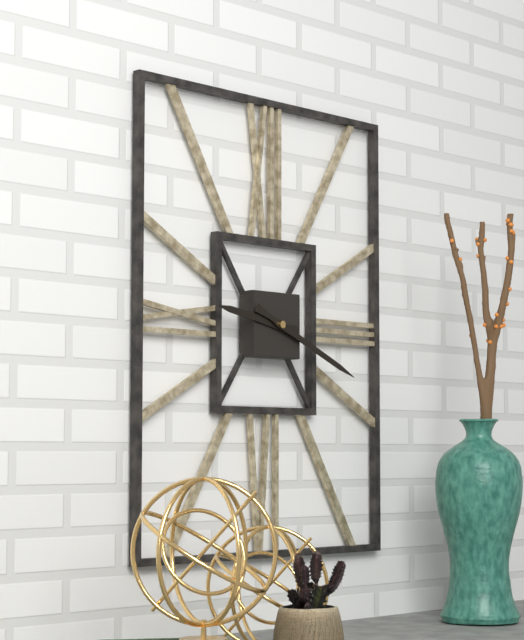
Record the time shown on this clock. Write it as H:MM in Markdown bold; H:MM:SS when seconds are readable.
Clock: **9:19**
